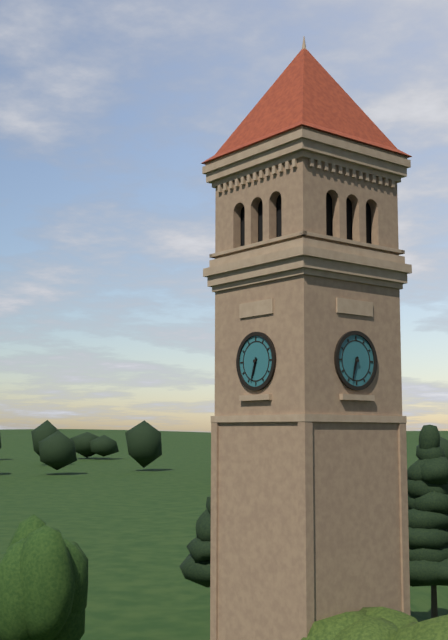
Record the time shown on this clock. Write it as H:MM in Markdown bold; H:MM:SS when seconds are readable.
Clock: **6:33**
